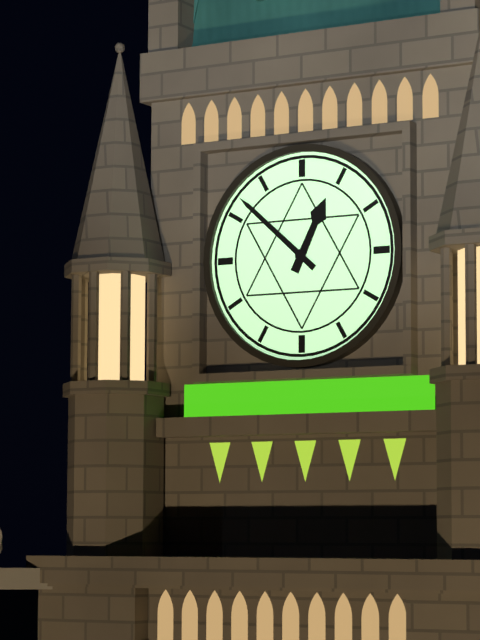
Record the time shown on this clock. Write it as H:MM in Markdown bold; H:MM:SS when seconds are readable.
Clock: **12:52**
